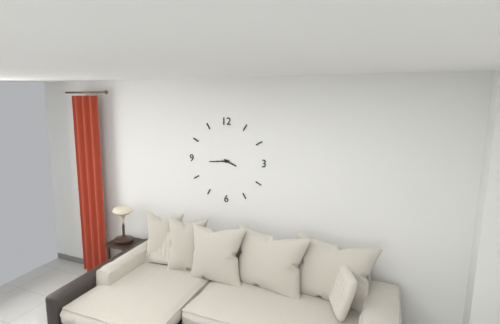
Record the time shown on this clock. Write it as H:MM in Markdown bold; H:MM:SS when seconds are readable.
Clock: **3:44**
